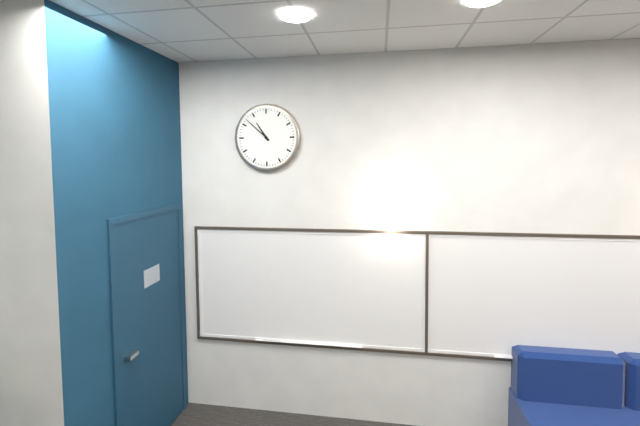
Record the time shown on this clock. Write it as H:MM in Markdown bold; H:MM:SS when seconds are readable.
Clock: **10:52**
